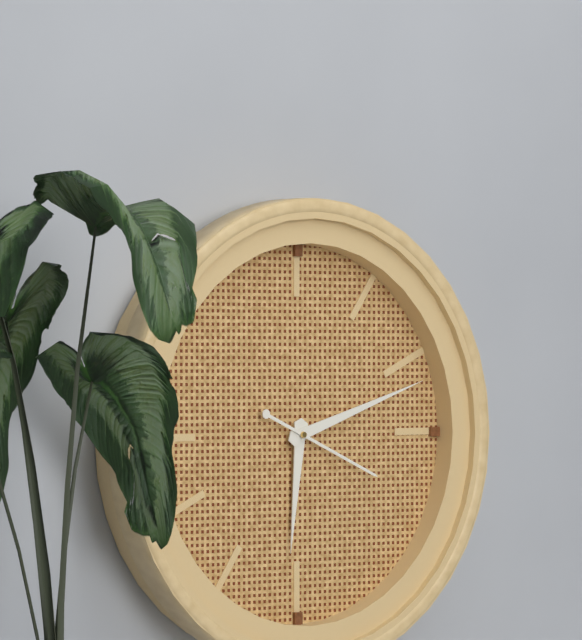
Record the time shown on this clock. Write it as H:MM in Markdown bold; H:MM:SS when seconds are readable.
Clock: **6:12:19**
